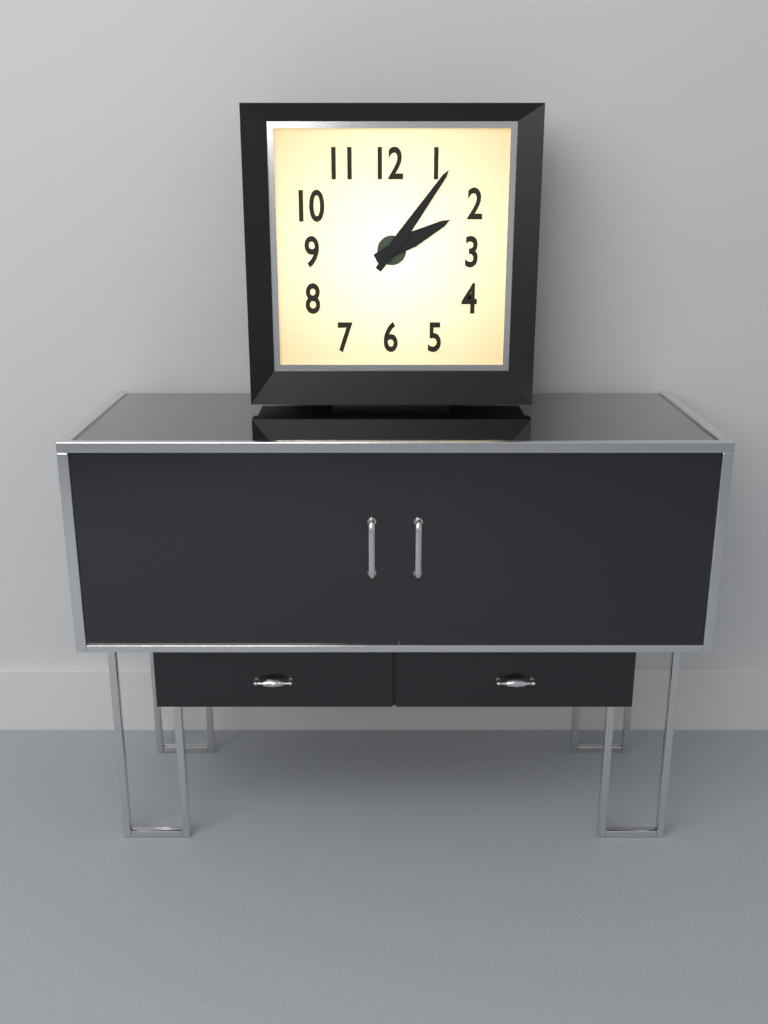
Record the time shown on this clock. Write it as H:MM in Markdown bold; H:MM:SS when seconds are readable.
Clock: **2:06**
